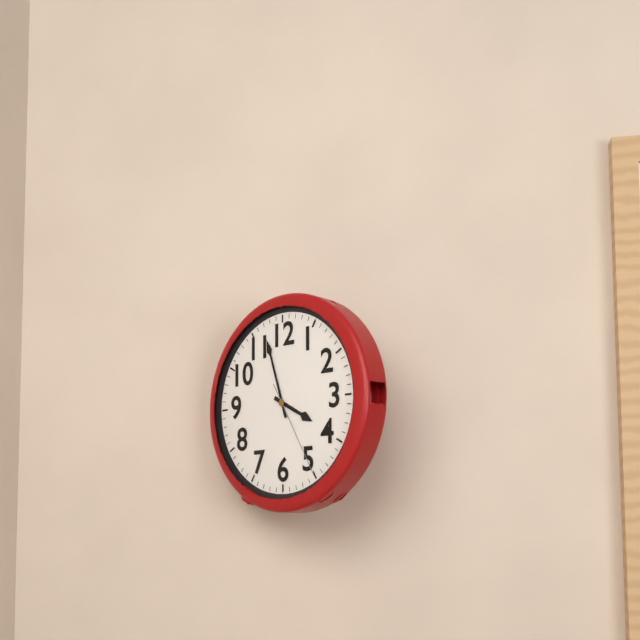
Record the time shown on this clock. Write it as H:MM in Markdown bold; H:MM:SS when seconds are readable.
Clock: **3:57:25**
